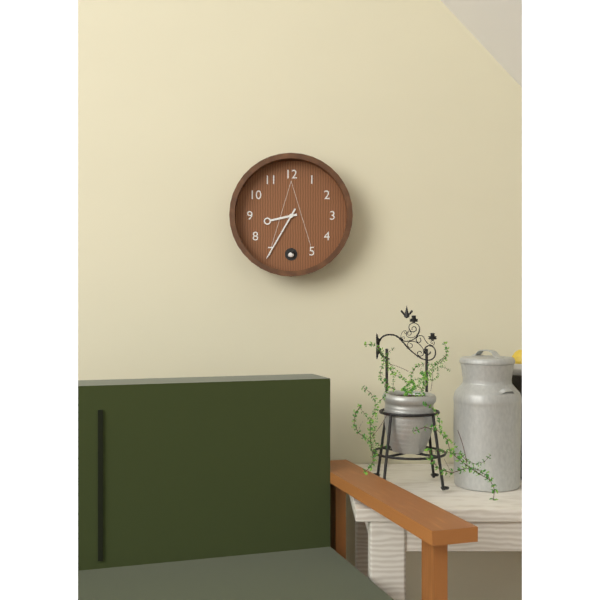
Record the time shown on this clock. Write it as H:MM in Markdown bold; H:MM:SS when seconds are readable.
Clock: **8:35**
